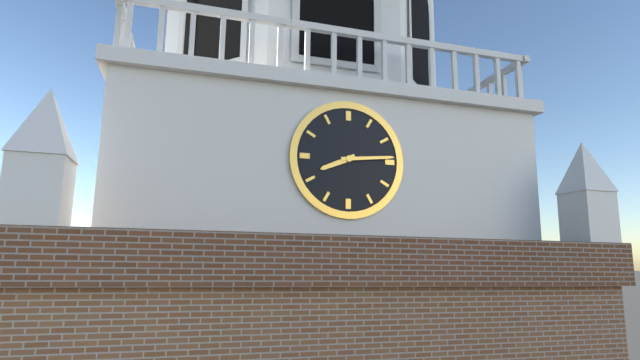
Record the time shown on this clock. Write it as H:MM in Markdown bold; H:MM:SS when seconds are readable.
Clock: **8:14**
